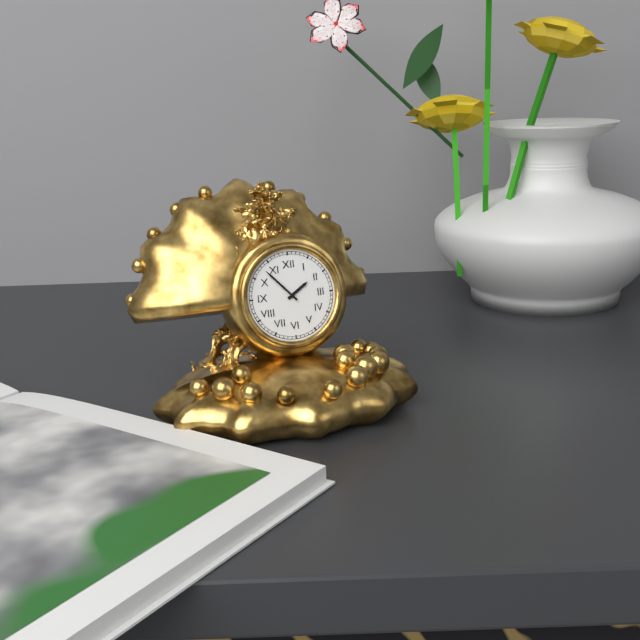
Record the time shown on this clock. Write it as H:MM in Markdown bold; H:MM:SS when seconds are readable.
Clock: **1:53**
